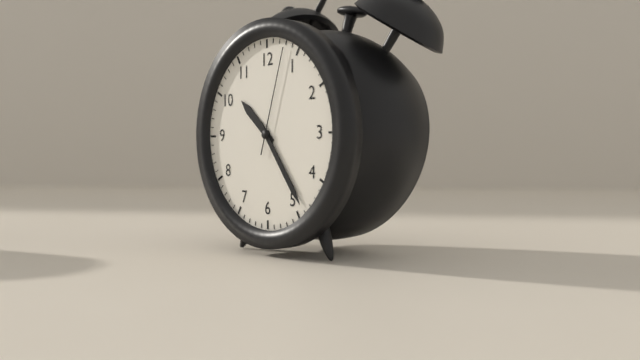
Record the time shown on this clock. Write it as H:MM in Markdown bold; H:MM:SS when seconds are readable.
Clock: **10:24:03**
